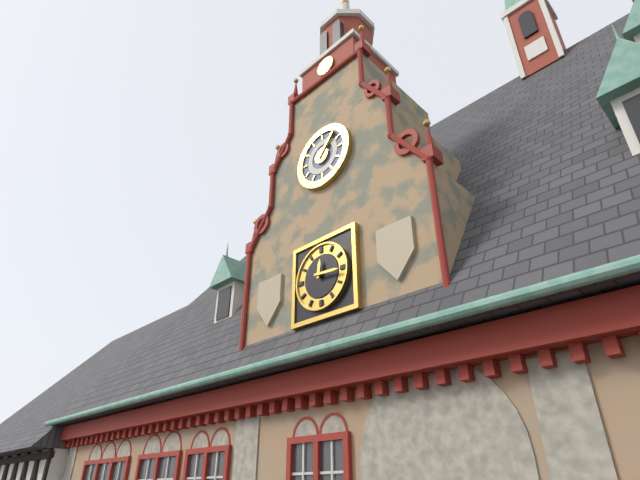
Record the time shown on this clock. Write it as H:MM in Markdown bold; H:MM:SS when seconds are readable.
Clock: **12:16**
